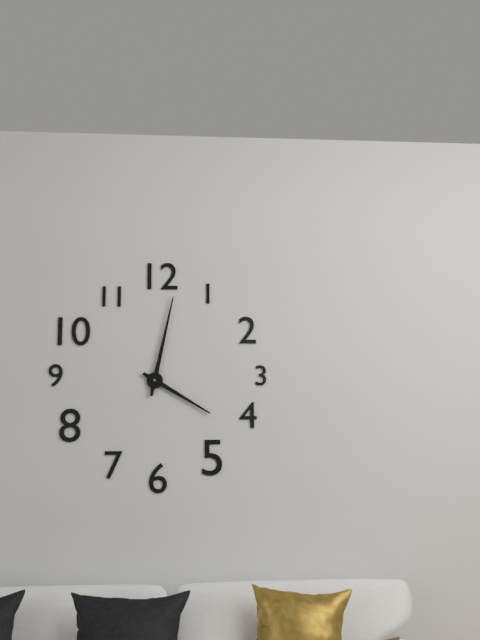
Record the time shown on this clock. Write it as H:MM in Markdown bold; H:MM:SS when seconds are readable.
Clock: **4:02**
